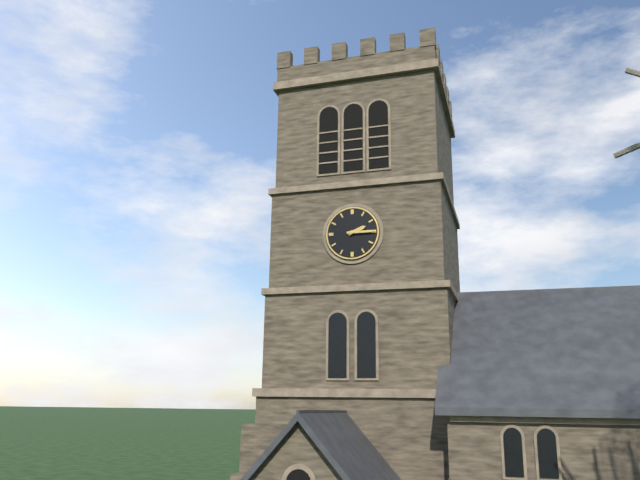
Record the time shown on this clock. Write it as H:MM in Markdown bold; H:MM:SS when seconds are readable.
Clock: **2:15**
